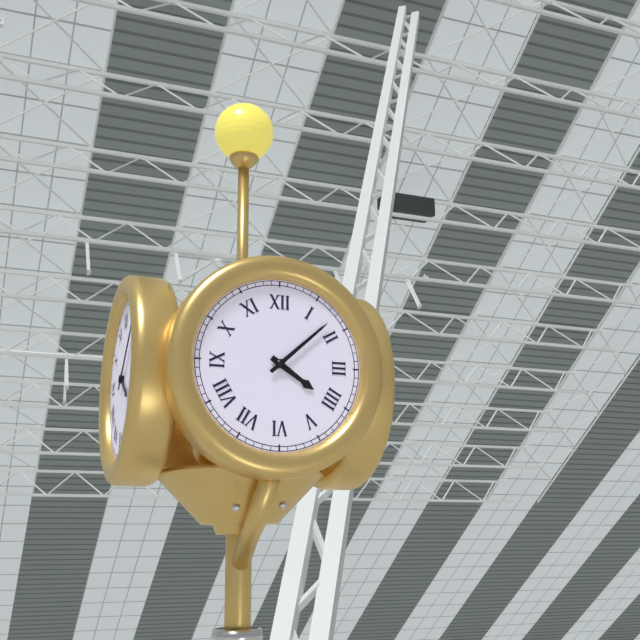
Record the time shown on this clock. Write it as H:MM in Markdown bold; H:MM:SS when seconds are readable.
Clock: **4:08**
